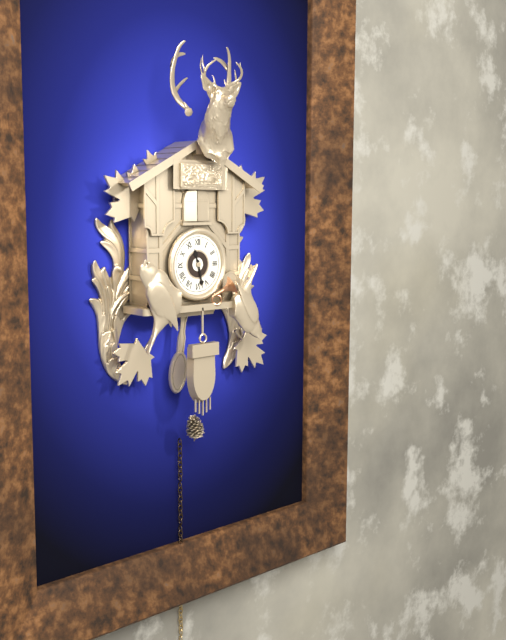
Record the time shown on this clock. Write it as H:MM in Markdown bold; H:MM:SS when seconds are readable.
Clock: **11:28**
